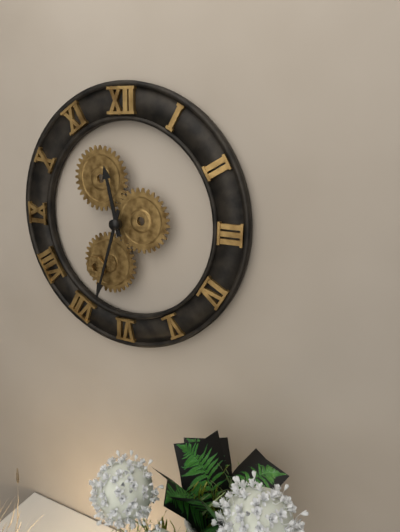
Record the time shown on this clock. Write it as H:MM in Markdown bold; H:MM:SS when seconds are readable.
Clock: **11:33**
